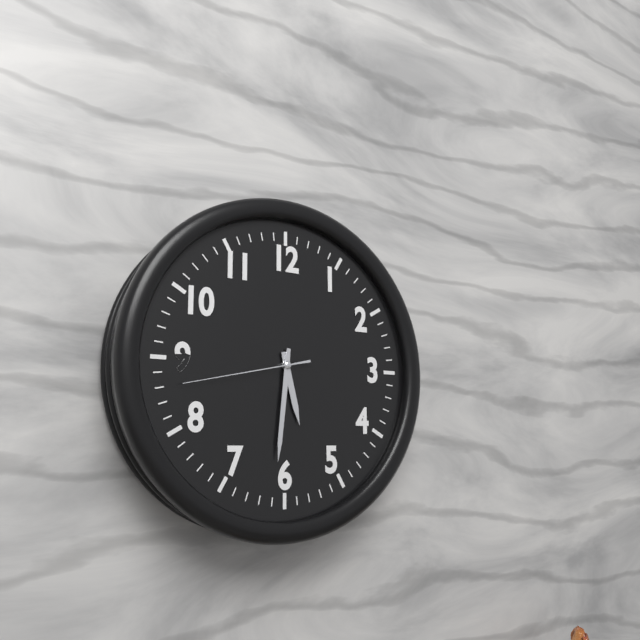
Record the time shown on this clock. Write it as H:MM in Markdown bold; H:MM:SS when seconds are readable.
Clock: **5:31:43**
